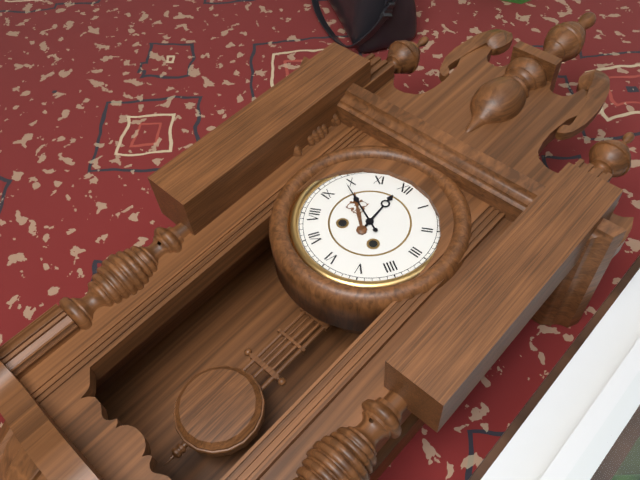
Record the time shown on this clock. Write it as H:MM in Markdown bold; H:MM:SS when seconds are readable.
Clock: **11:49**
